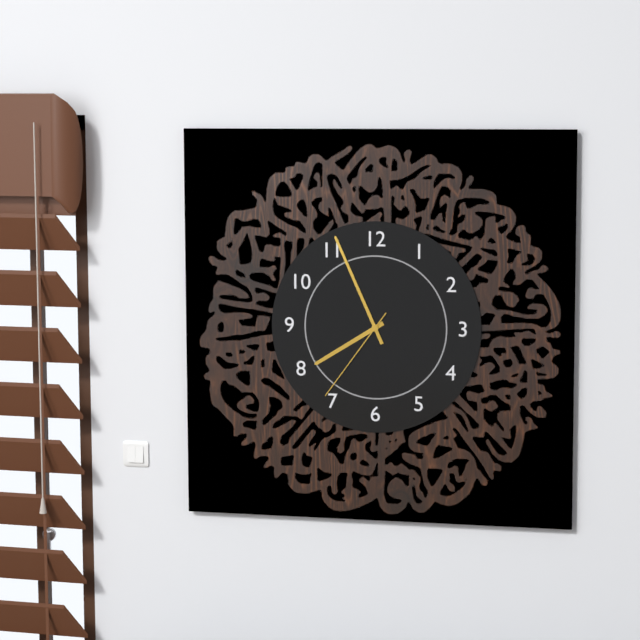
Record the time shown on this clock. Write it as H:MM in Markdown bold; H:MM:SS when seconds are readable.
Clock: **7:56:36**
